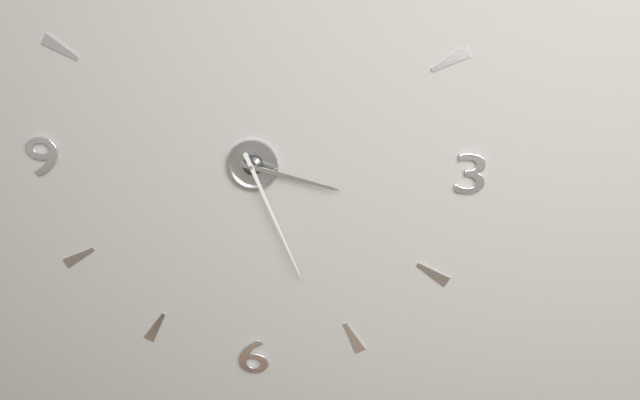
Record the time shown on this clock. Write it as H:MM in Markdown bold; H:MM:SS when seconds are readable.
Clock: **3:26**
